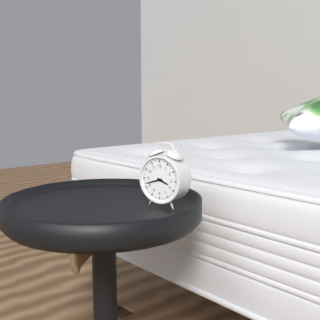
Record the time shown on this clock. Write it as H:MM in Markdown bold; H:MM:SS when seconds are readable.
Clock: **3:42**
